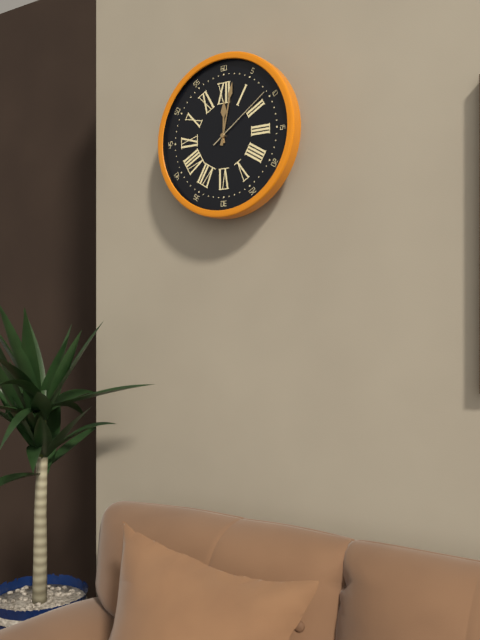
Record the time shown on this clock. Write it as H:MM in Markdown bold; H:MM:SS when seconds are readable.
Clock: **12:02:09**
